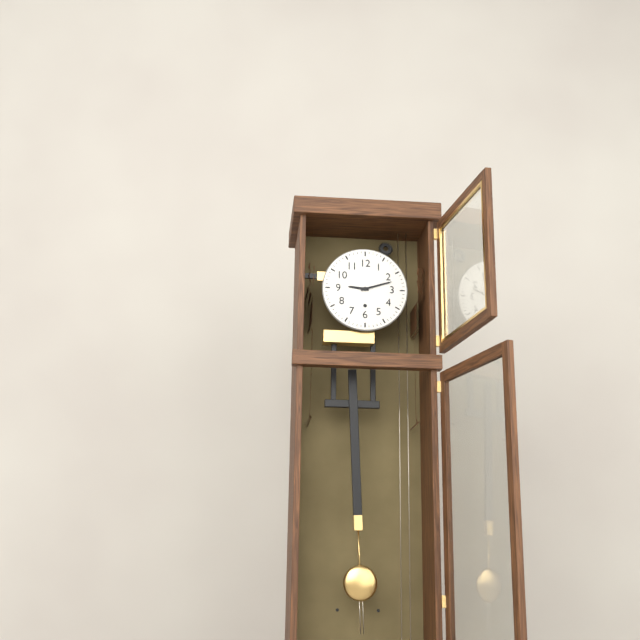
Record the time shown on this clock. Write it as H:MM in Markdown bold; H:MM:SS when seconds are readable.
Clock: **9:12**
